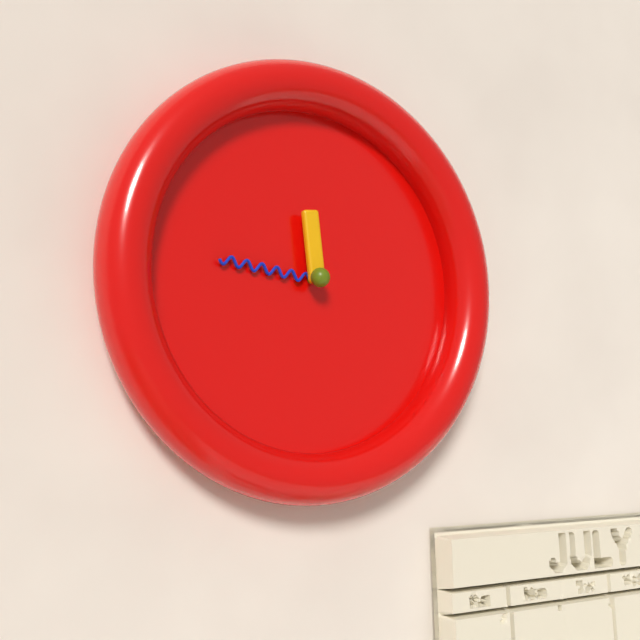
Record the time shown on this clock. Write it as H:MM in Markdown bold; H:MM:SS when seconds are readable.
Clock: **11:46**
